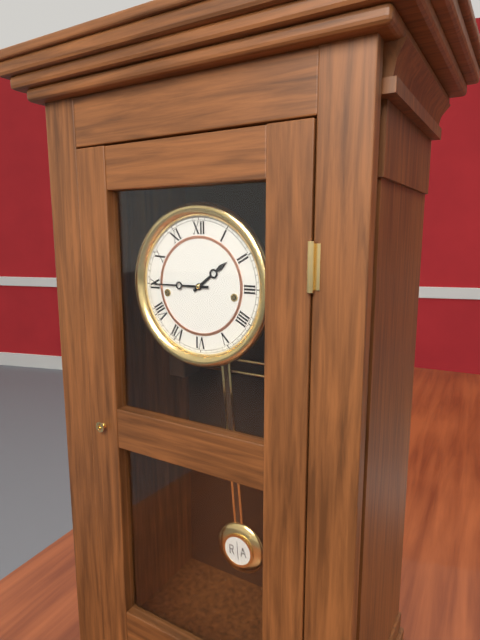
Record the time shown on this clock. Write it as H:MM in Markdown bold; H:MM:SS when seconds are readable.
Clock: **1:45**
